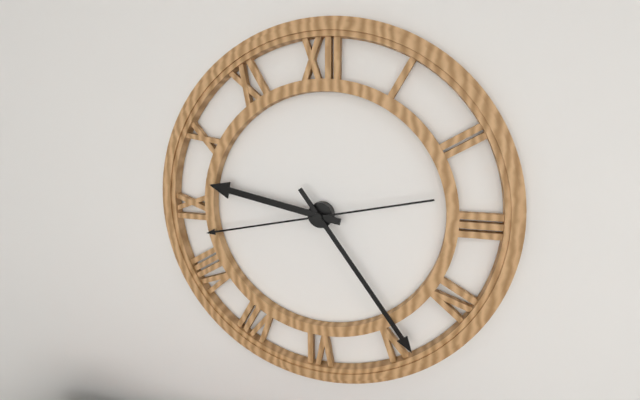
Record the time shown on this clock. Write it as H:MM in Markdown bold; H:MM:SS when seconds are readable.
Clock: **9:24:43**
